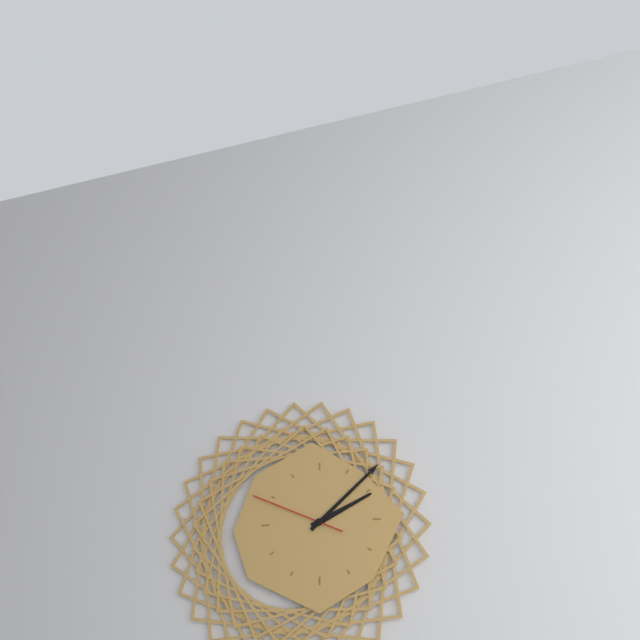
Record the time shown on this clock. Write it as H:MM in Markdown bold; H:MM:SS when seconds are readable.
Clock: **2:08:49**
